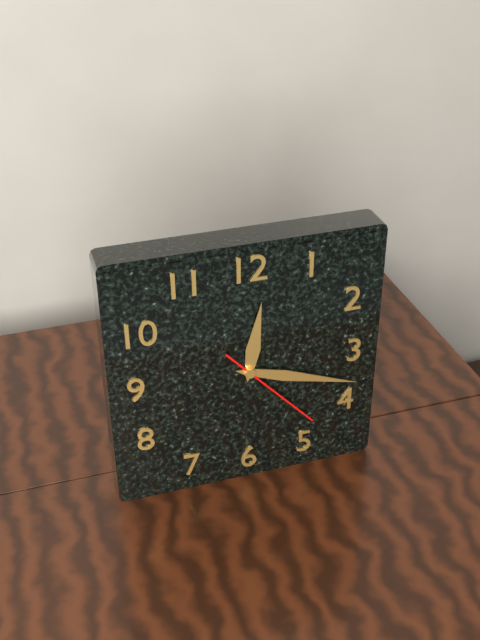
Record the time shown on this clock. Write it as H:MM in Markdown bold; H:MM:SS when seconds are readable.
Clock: **12:18:23**
